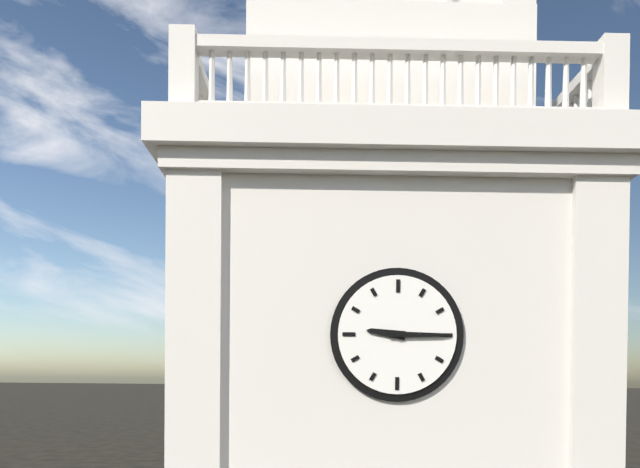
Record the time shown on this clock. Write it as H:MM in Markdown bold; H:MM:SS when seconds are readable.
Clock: **9:15**
